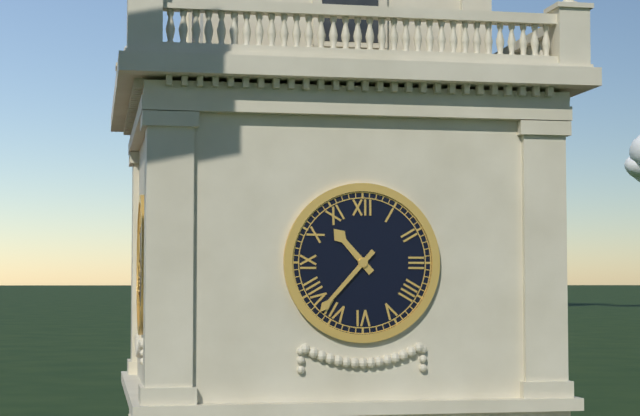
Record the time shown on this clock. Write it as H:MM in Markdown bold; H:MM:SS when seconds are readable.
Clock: **10:37**
